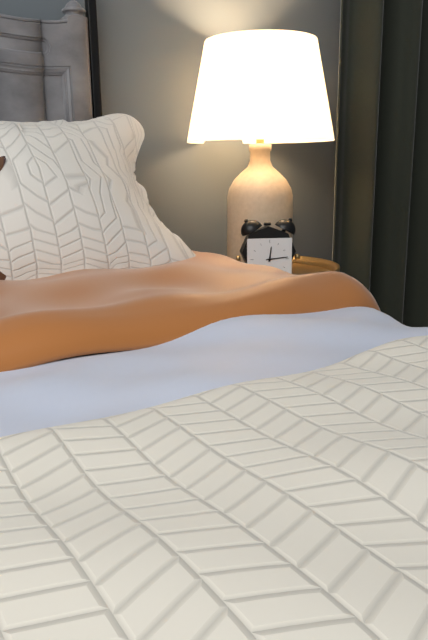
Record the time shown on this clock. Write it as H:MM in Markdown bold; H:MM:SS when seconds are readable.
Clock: **12:14**
